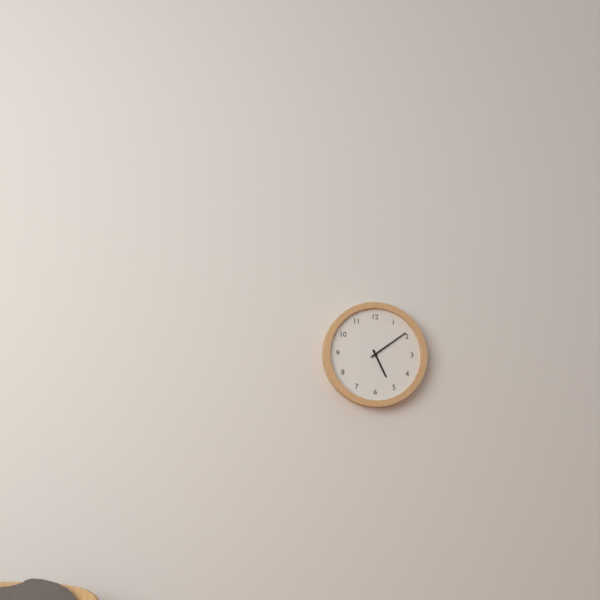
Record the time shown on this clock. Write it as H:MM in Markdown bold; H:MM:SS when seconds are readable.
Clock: **5:09**
